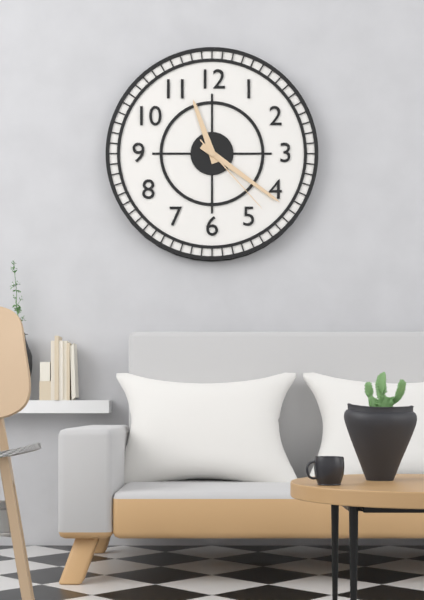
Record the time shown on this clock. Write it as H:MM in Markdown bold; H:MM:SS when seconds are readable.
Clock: **11:21:23**
